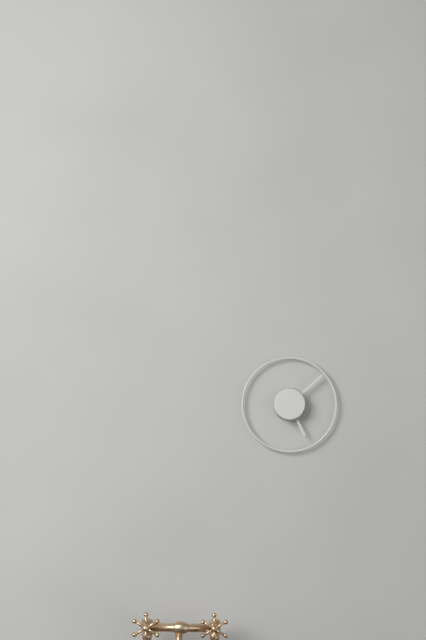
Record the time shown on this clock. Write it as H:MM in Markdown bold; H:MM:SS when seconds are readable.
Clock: **5:08**
